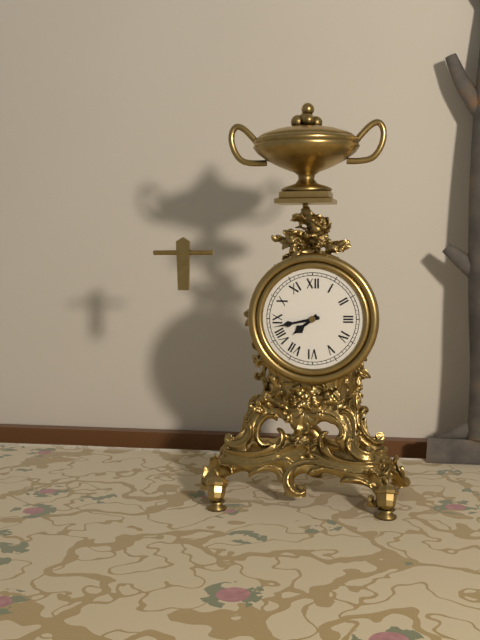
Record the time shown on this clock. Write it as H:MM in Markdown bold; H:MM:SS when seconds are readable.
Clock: **7:43**
